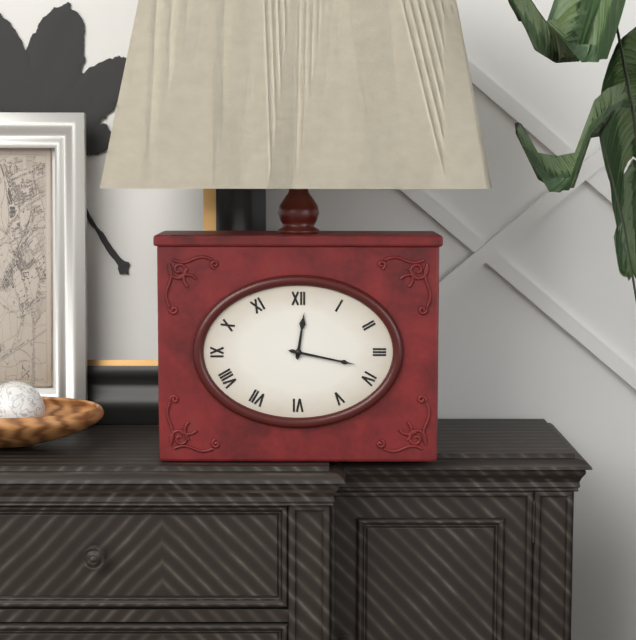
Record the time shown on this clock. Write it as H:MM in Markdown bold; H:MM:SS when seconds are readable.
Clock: **12:17**
